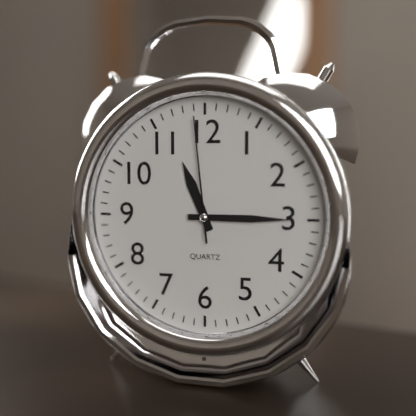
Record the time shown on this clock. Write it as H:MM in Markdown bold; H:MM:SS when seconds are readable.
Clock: **11:15:59**
